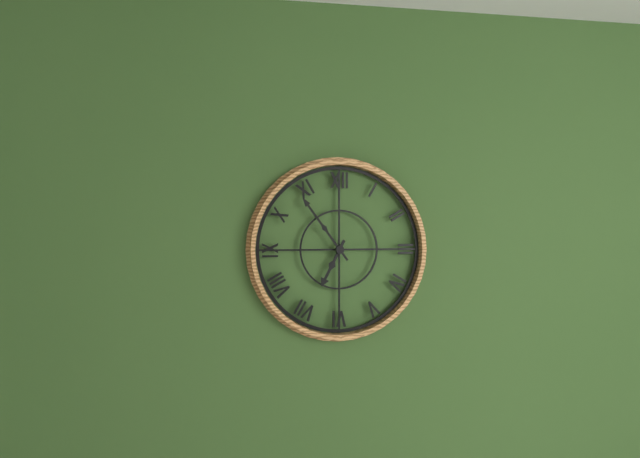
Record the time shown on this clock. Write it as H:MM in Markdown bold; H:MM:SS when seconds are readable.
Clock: **6:54**
